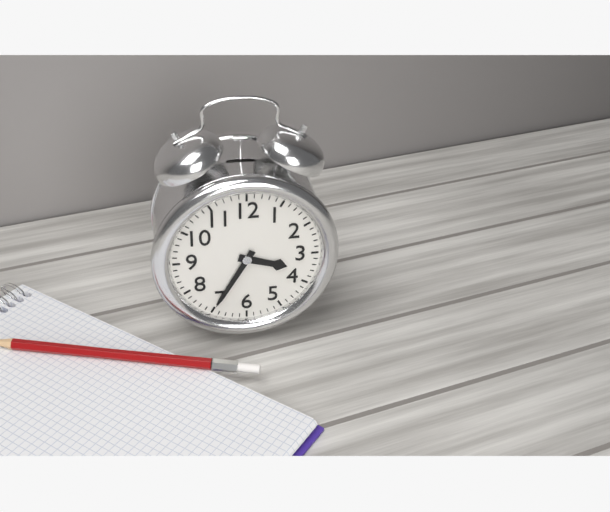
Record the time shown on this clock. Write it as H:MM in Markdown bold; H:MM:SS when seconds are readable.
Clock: **3:35**
